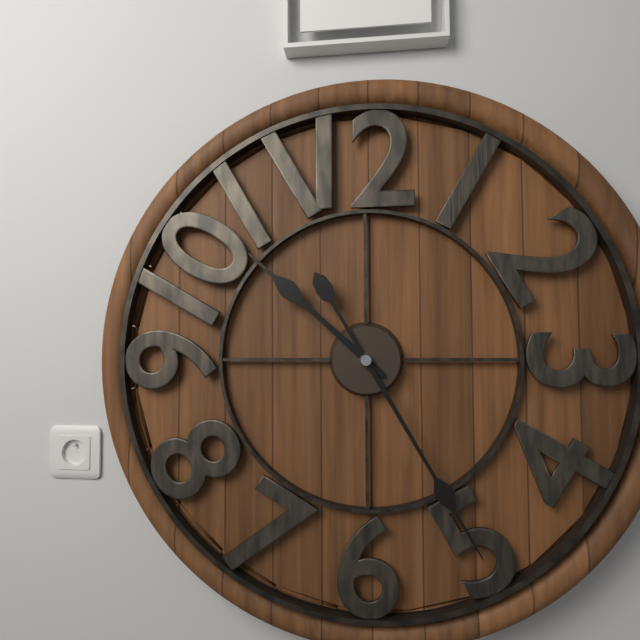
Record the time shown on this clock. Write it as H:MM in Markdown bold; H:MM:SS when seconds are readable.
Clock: **10:25**
